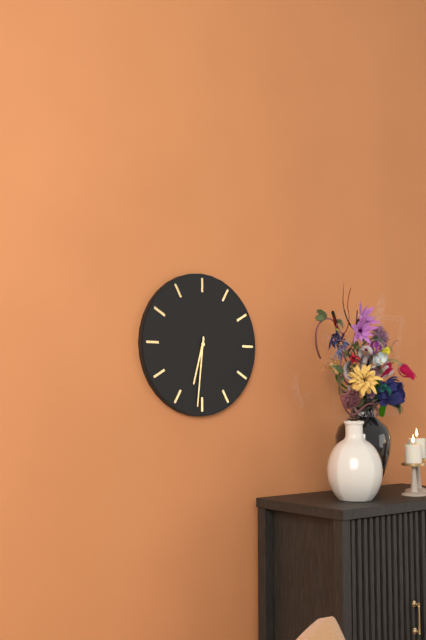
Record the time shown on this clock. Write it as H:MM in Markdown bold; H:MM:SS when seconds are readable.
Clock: **6:31**
